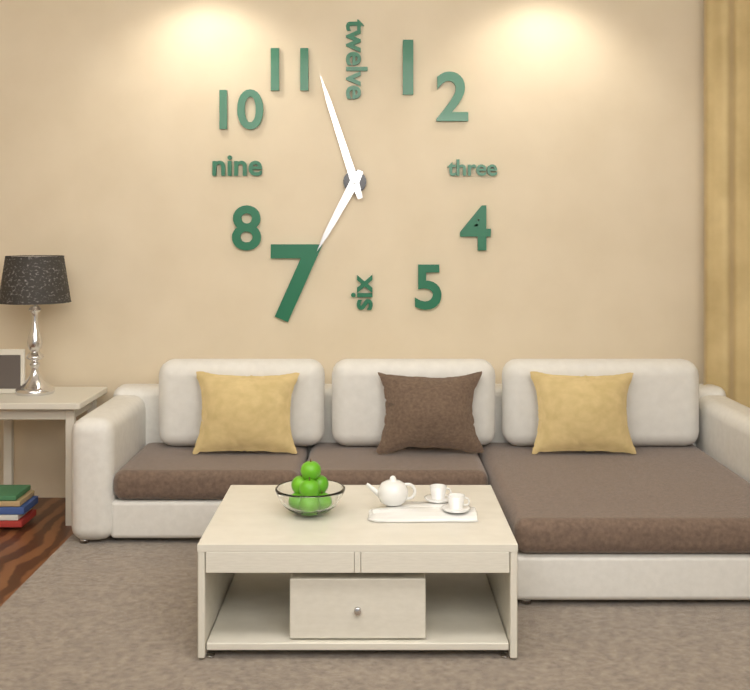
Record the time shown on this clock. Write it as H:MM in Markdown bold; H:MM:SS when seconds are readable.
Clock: **6:57**
